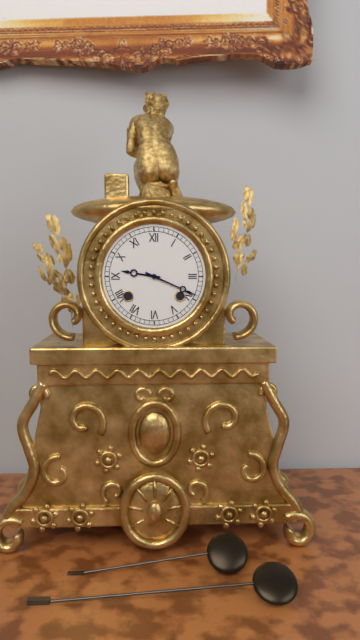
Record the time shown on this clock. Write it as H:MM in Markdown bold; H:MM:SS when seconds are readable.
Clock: **9:19**
